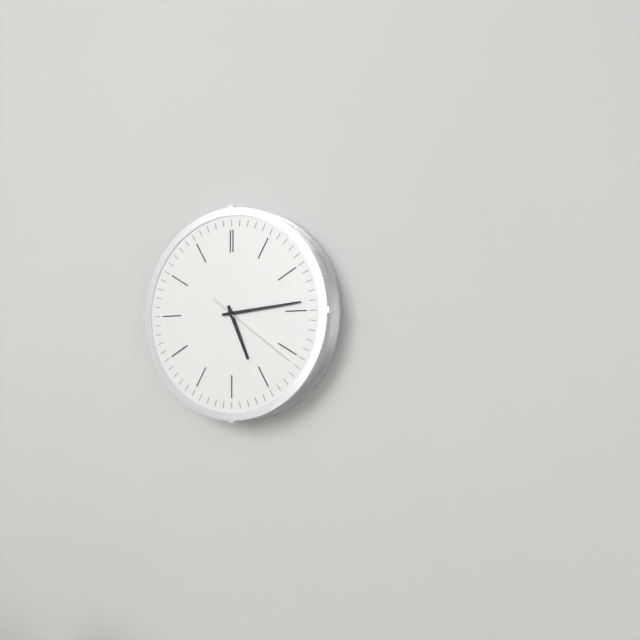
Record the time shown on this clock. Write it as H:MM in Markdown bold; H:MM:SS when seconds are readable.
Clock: **5:14:21**
